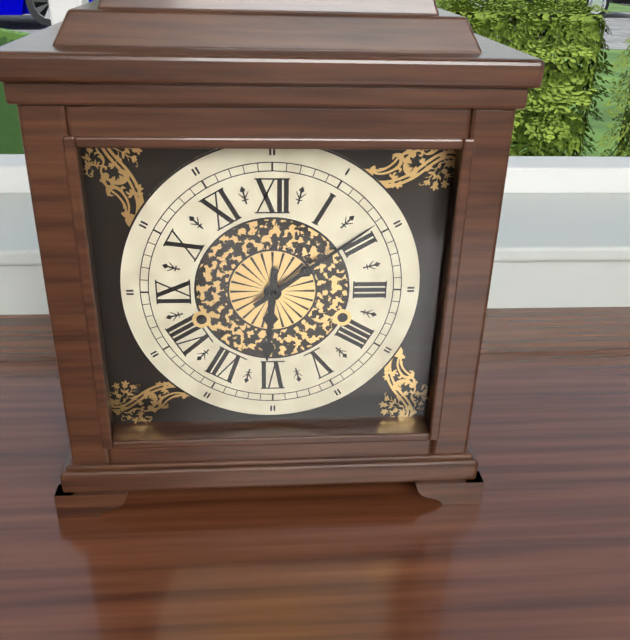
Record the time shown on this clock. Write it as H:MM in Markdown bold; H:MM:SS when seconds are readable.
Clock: **6:09**
